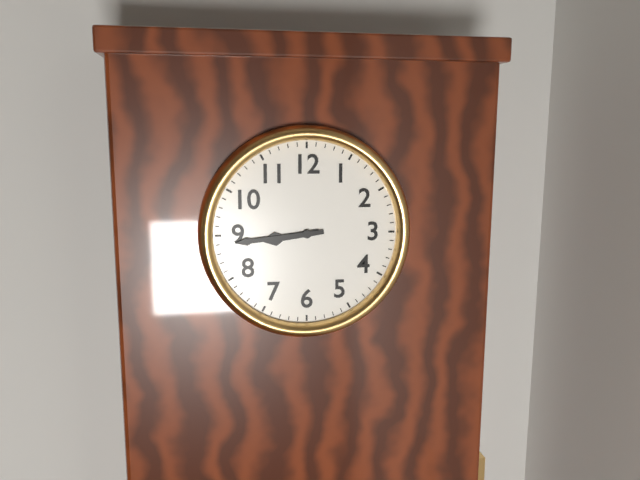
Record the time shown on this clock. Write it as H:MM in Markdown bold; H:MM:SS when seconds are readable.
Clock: **8:44**
